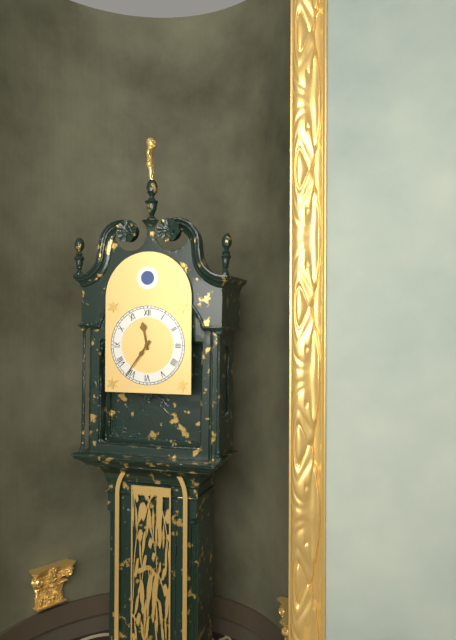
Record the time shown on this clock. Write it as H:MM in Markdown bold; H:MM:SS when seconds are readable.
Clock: **11:36**
